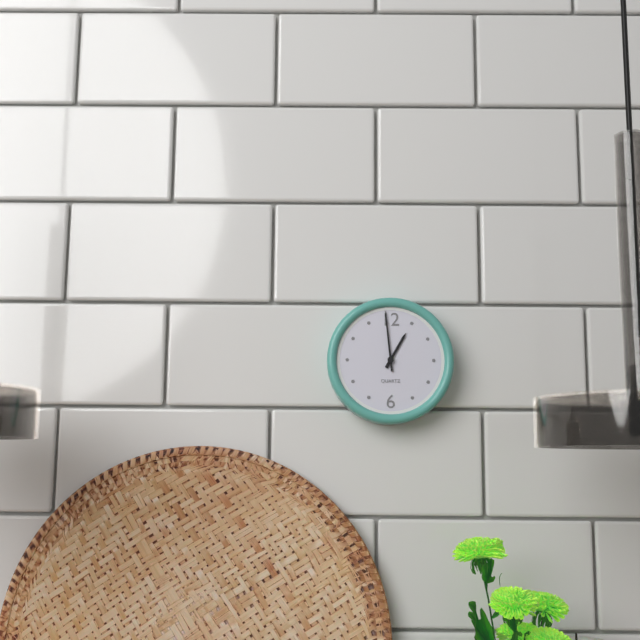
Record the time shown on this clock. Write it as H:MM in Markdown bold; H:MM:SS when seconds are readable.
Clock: **12:59**
